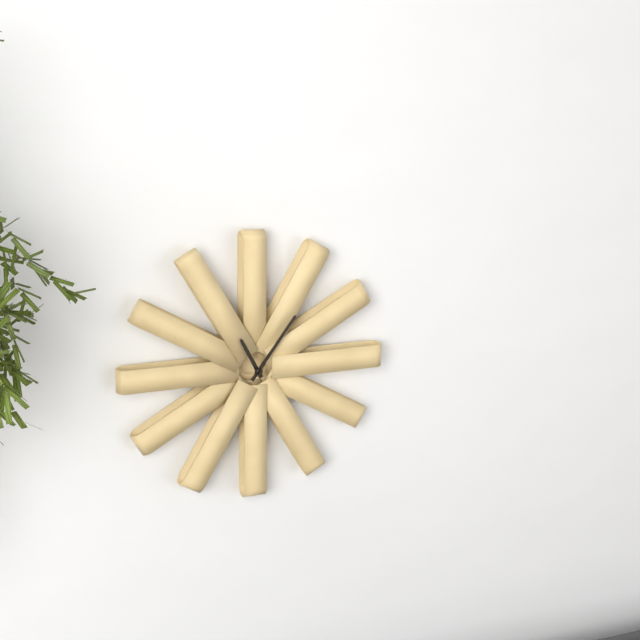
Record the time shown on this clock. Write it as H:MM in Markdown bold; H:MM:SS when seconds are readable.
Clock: **11:06**
